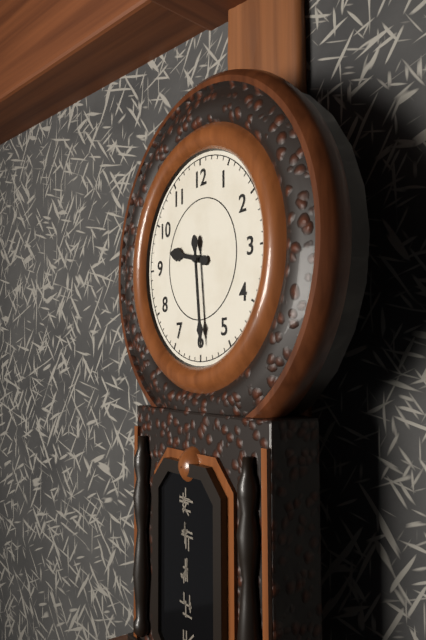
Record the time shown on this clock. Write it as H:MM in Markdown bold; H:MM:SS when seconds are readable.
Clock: **9:29**
